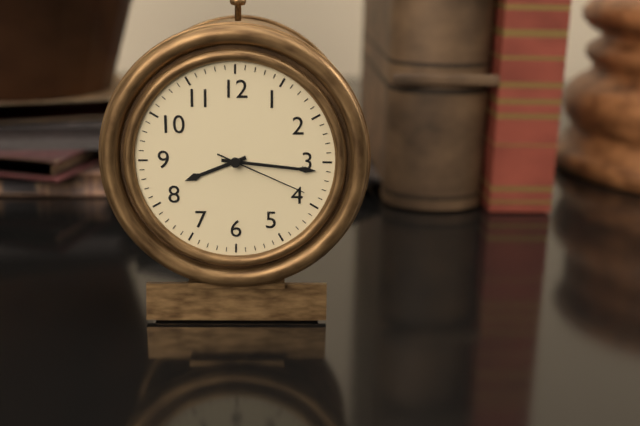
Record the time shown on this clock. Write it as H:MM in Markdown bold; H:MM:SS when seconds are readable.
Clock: **8:16:19**
